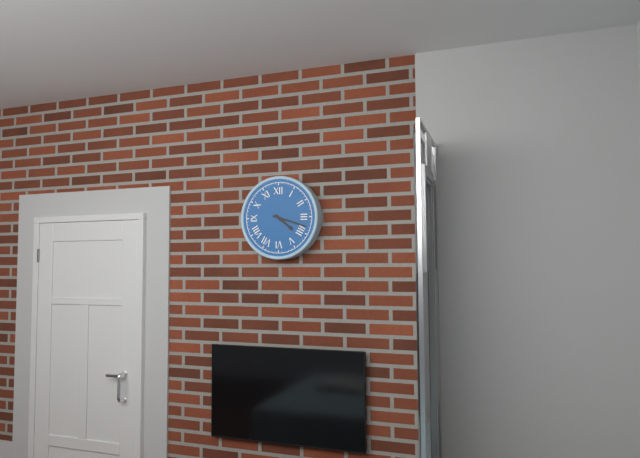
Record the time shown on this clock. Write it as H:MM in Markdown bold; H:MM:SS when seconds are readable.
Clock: **4:18**
